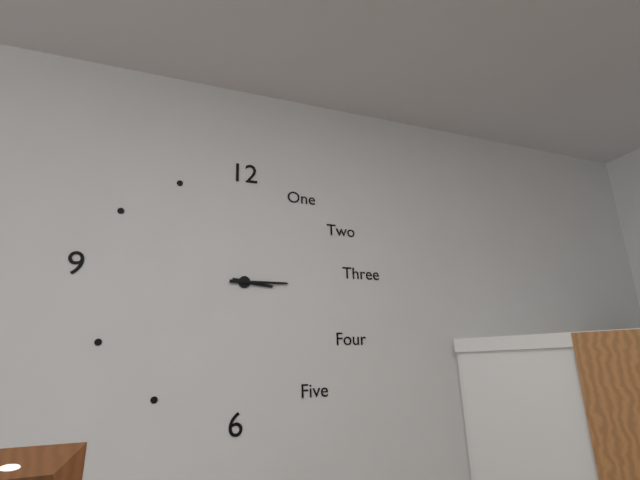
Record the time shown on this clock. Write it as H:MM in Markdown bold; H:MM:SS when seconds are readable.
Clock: **3:15**
